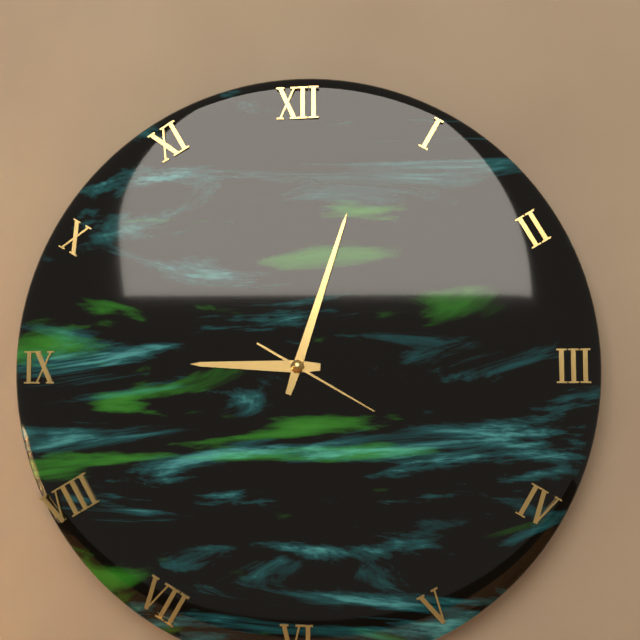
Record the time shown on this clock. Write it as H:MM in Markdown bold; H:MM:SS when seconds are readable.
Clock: **9:03:20**
